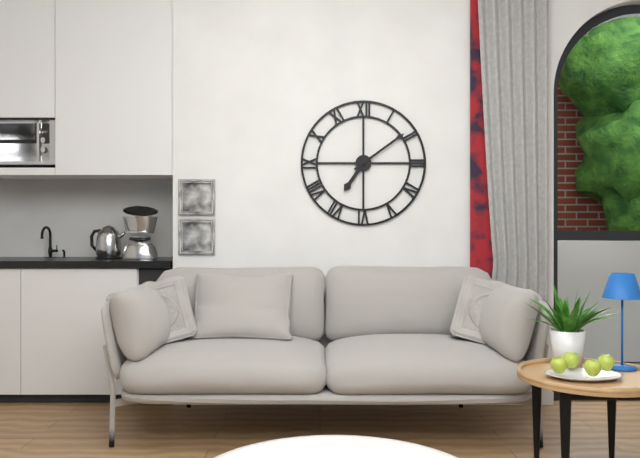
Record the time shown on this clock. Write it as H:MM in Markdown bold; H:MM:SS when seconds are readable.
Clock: **7:09**
